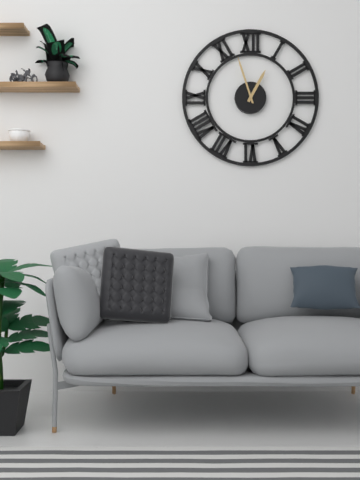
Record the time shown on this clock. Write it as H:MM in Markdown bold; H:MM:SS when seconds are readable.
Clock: **12:57**
